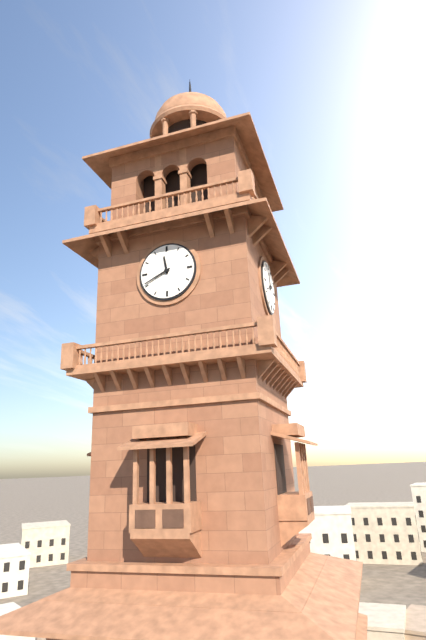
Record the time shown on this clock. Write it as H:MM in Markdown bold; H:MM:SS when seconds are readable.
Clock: **11:41**
